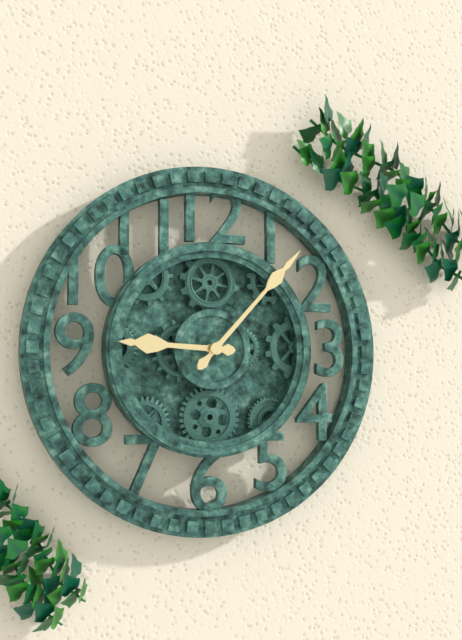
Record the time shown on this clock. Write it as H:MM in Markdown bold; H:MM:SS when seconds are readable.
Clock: **9:07**
